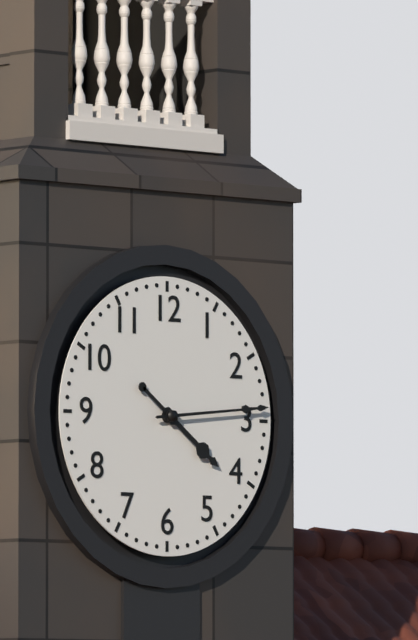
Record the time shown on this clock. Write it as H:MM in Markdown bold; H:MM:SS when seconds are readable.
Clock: **4:14**
